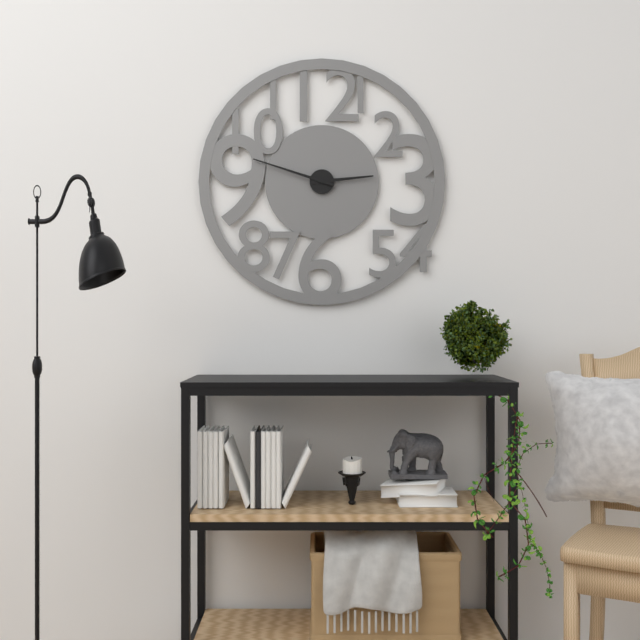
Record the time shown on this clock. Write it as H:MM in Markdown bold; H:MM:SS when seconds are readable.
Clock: **2:48**
